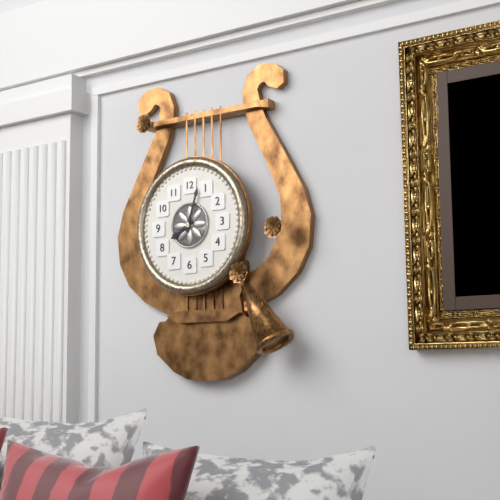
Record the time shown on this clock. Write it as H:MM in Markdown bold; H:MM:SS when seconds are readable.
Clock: **8:03**
